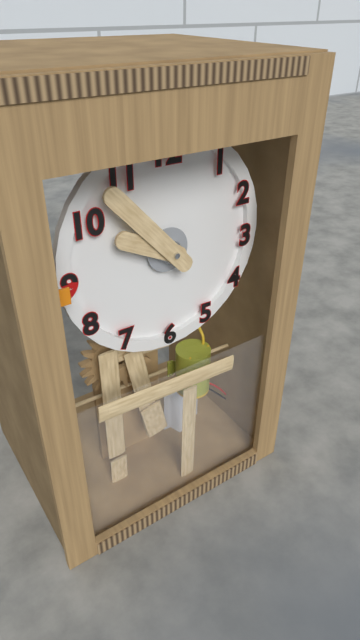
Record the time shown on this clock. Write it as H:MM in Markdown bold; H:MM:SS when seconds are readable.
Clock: **9:53**
